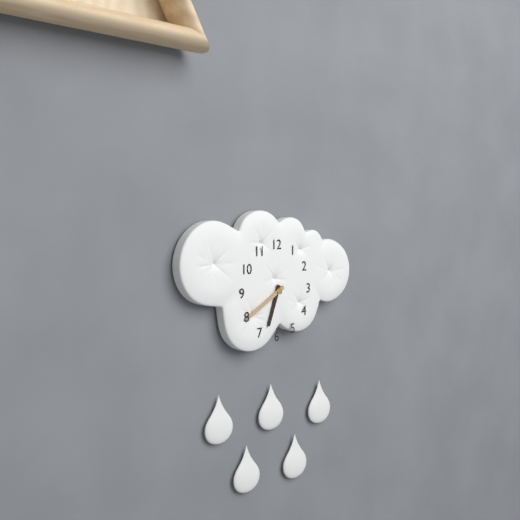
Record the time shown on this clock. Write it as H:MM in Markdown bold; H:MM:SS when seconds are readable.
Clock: **6:40**
